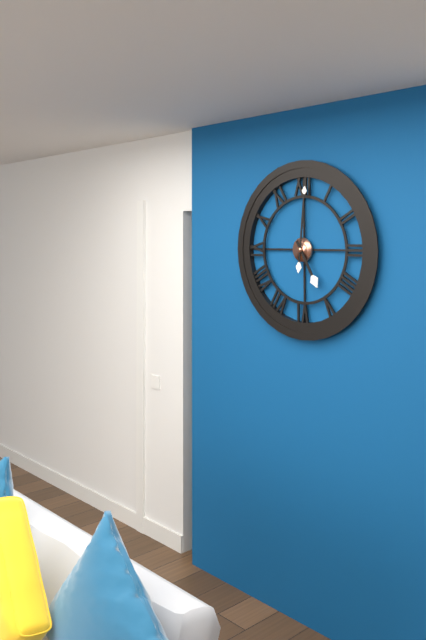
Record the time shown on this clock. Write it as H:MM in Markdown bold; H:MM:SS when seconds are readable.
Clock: **5:01**
